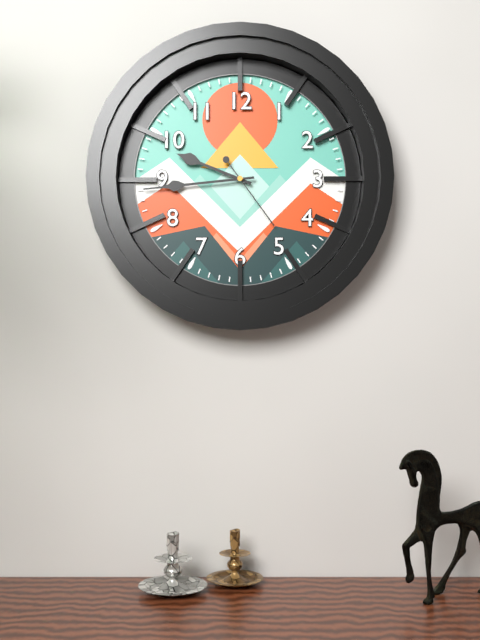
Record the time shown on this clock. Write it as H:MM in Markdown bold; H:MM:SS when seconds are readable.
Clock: **9:44:24**
